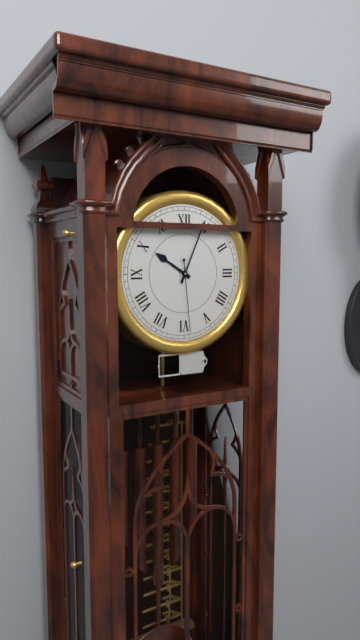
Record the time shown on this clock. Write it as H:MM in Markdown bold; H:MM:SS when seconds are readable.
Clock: **10:04:29**
